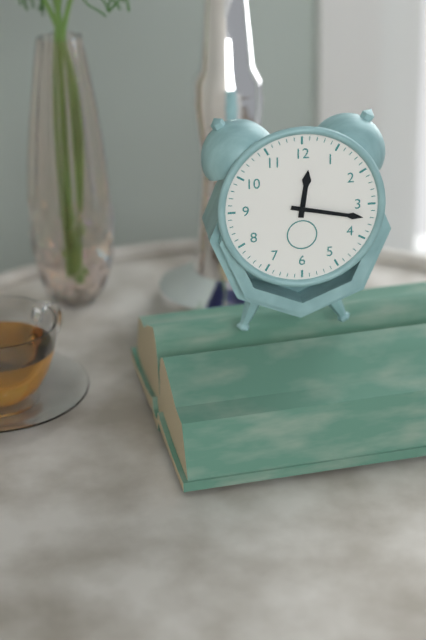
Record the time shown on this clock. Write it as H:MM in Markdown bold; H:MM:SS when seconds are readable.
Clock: **12:17**
